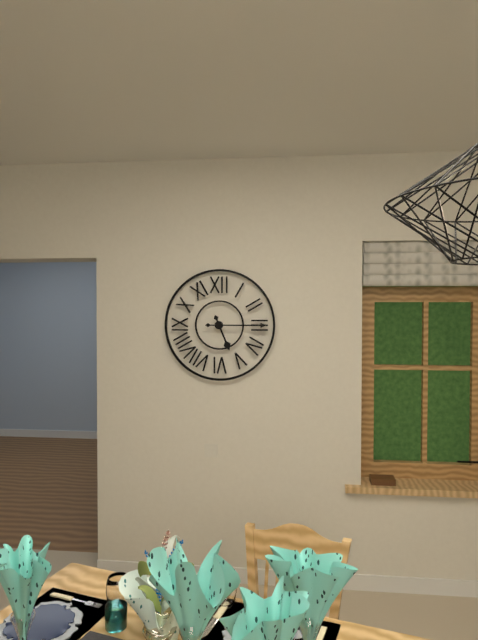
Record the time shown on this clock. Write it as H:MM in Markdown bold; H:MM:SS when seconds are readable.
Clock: **5:15**
